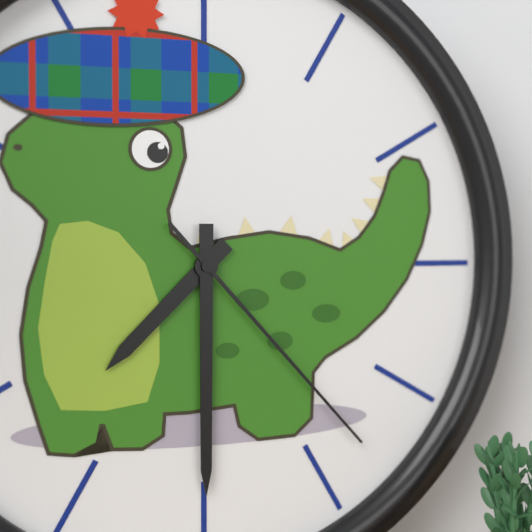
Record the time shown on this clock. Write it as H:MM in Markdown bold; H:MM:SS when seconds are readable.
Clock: **7:30:23**
